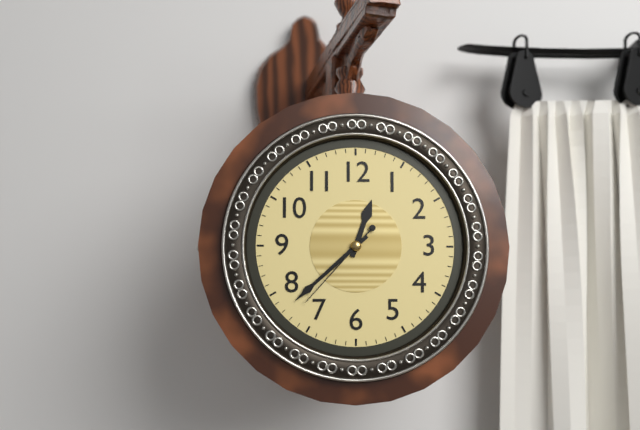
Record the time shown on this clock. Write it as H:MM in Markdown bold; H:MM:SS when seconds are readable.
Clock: **12:38:37**
